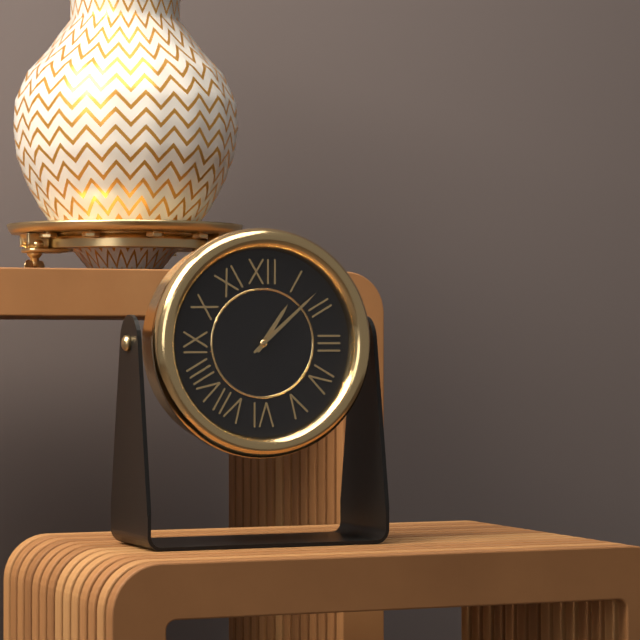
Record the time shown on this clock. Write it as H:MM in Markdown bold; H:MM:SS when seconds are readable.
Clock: **1:08**
